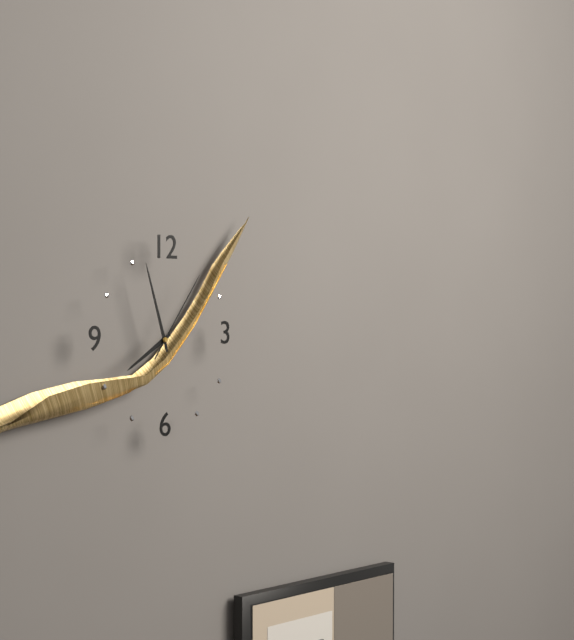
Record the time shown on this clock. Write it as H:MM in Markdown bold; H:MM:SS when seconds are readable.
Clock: **7:57:06**
